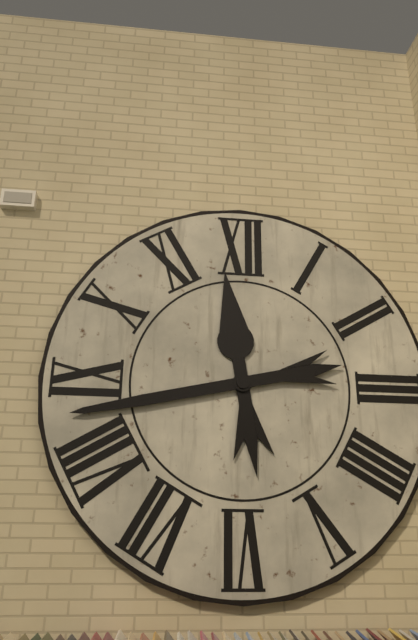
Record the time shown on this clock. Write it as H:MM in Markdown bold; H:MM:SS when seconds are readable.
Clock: **11:43**
